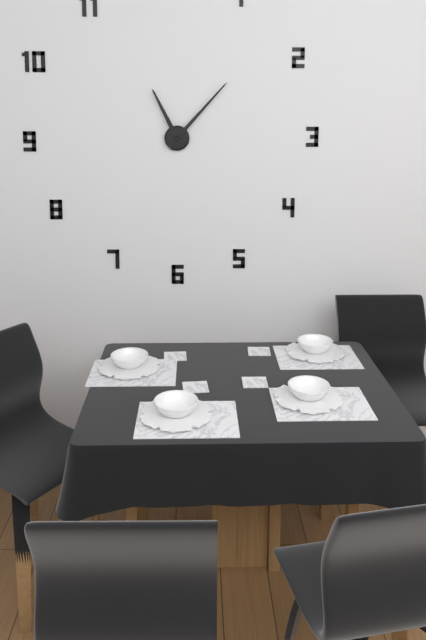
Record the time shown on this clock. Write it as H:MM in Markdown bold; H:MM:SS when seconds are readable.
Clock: **11:07**
